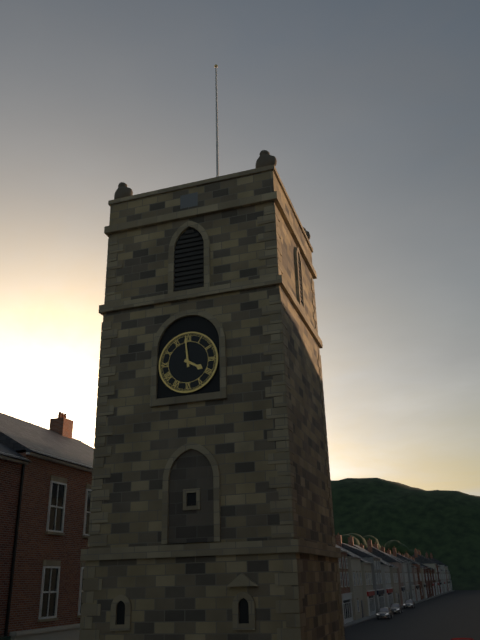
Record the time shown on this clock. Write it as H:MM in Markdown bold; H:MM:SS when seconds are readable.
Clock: **3:59**
